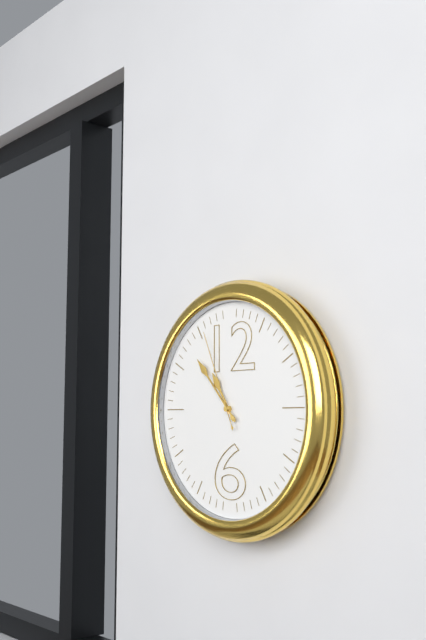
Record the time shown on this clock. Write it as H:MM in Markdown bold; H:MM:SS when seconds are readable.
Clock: **10:53:56**
